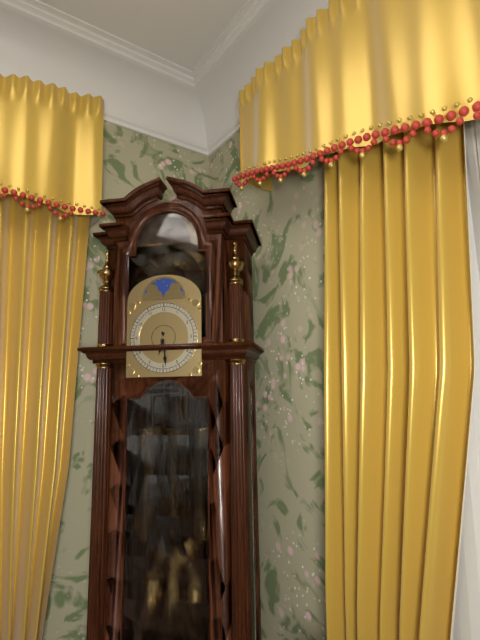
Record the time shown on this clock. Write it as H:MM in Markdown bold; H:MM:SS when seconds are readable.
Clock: **6:29**
